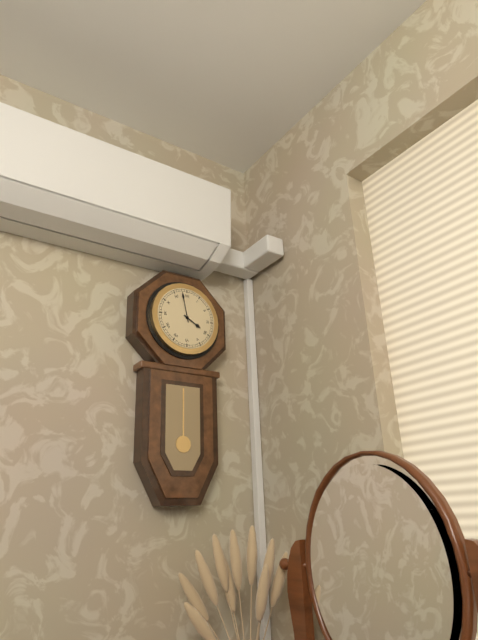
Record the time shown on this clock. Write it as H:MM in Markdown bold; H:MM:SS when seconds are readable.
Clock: **3:58**
